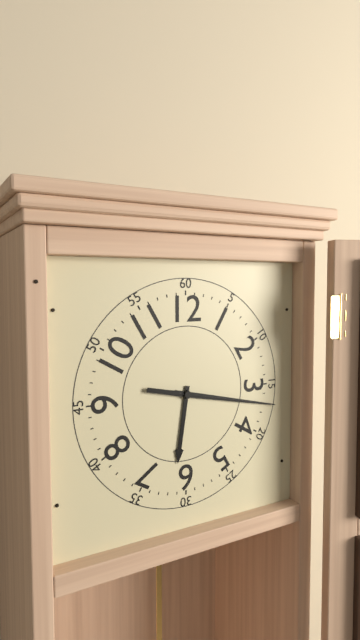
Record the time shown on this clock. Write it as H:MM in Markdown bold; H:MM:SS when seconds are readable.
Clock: **6:17:17**
